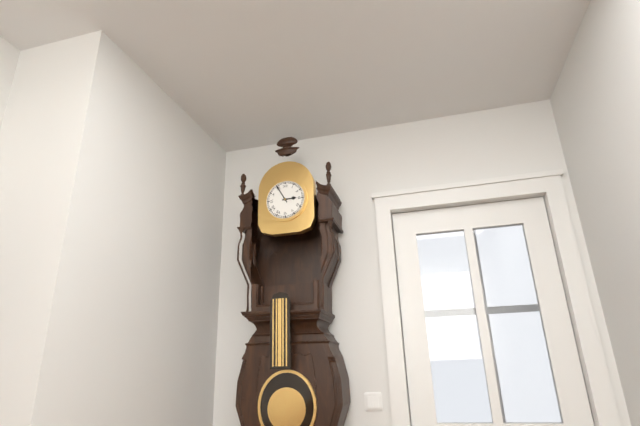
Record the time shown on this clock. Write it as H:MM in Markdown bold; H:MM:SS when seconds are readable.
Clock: **2:55**
